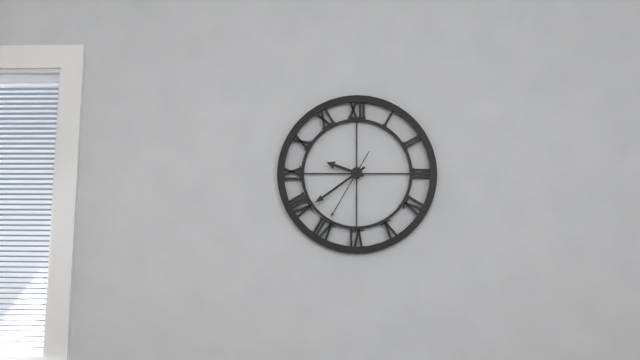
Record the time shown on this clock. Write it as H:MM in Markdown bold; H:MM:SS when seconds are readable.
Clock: **9:39:35**
